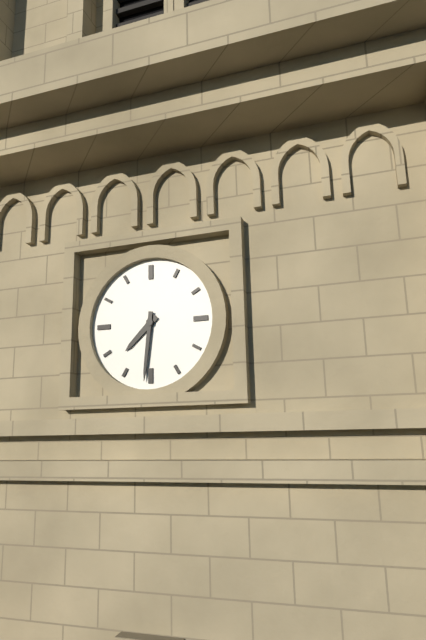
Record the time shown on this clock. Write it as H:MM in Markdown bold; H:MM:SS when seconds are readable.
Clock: **7:31**
